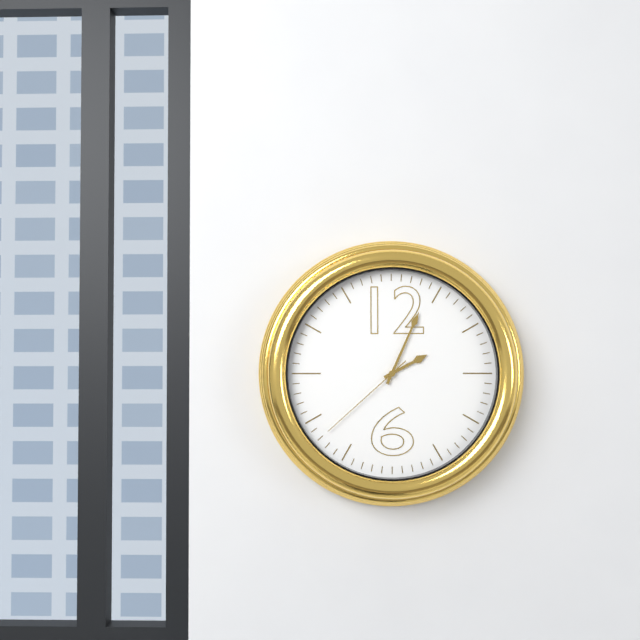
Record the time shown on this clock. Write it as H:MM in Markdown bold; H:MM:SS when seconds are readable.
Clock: **2:04:38**
